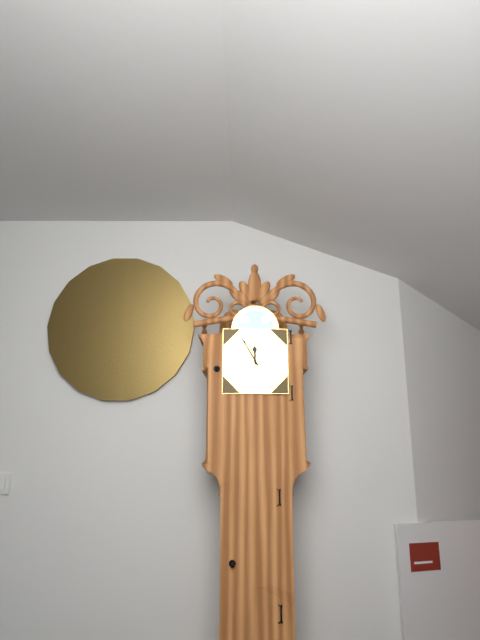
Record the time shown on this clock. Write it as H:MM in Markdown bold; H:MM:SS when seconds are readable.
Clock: **11:55**
